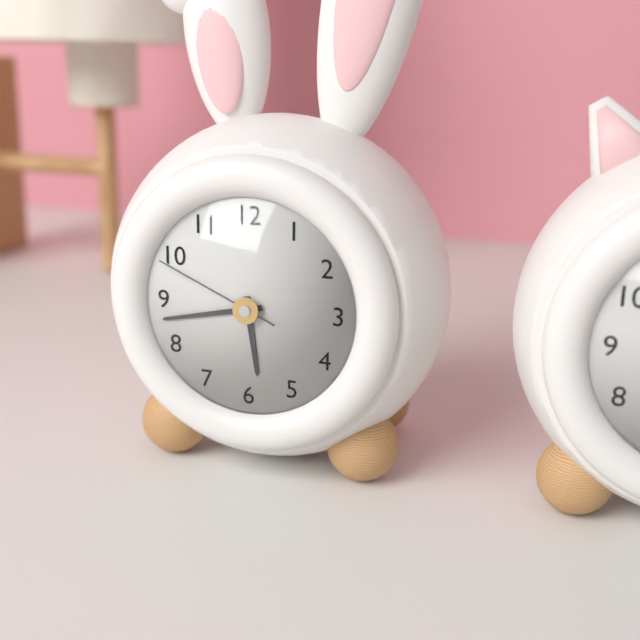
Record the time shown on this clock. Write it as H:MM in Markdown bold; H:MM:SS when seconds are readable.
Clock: **5:43:49**
